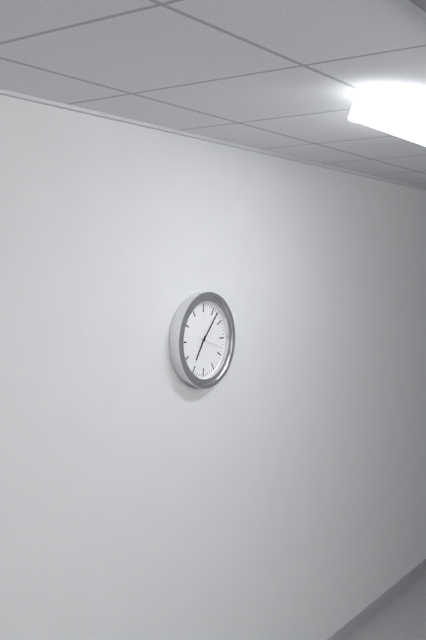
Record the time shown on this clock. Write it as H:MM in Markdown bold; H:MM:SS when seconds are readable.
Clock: **7:07**
